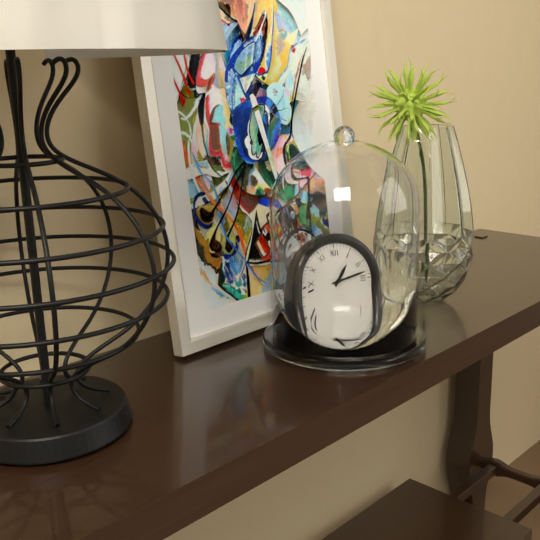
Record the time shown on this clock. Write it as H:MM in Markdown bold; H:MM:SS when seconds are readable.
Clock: **1:13**
